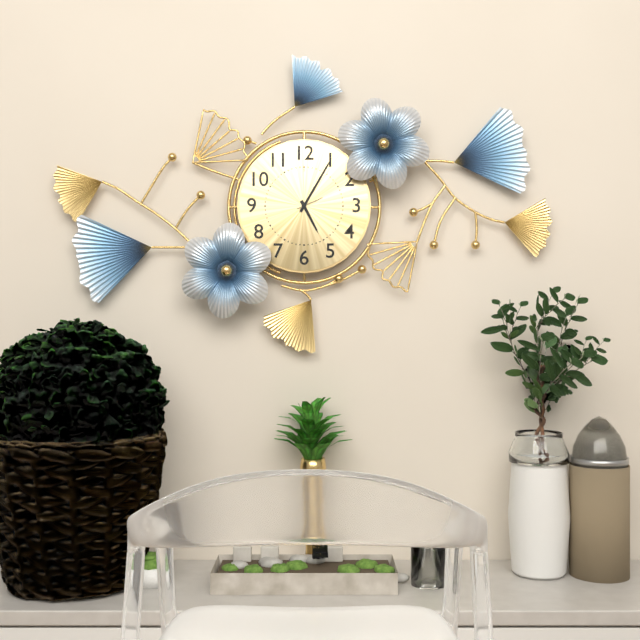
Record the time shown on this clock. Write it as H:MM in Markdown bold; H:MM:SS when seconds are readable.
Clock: **5:05**
